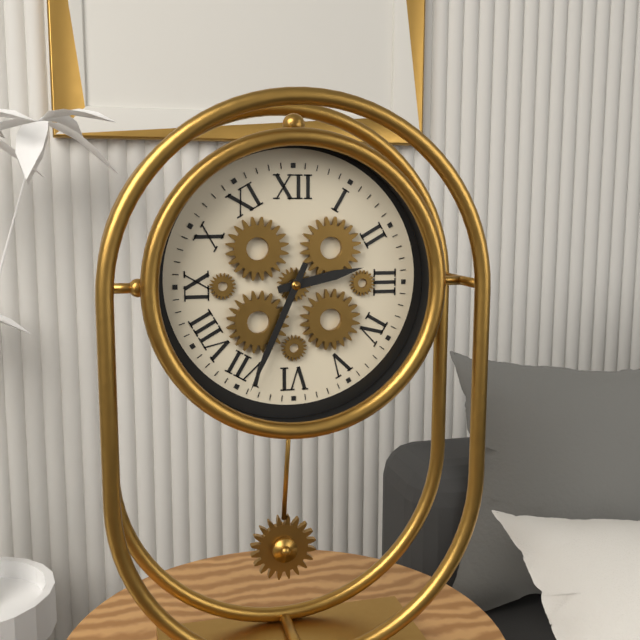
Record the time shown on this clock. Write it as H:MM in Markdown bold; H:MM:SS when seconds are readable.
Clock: **2:34**
